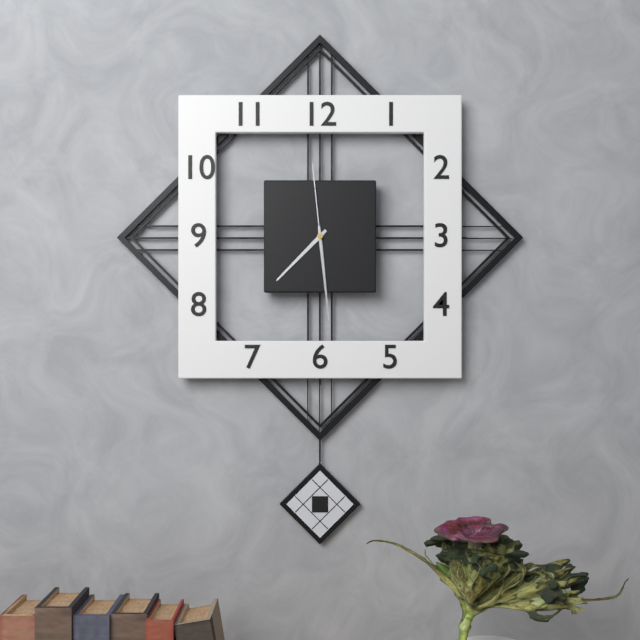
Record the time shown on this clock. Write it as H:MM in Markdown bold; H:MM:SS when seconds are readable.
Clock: **7:29:59**
